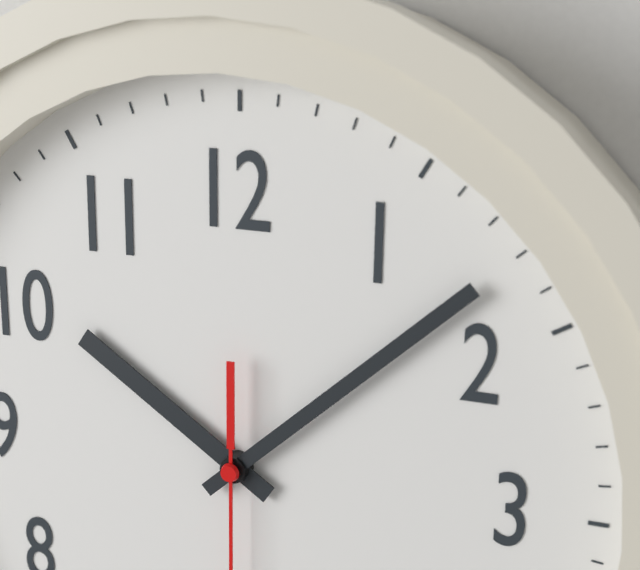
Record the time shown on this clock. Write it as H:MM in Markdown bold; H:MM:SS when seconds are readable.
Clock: **10:08**
